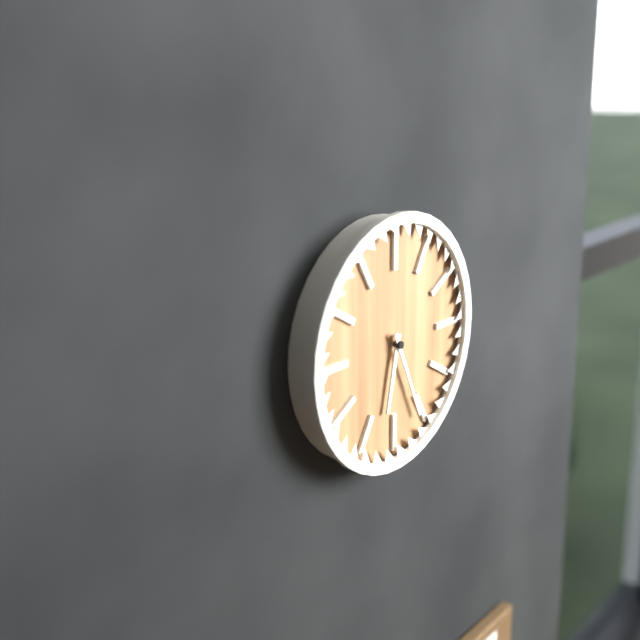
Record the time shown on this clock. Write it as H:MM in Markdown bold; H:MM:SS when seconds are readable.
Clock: **6:26**
